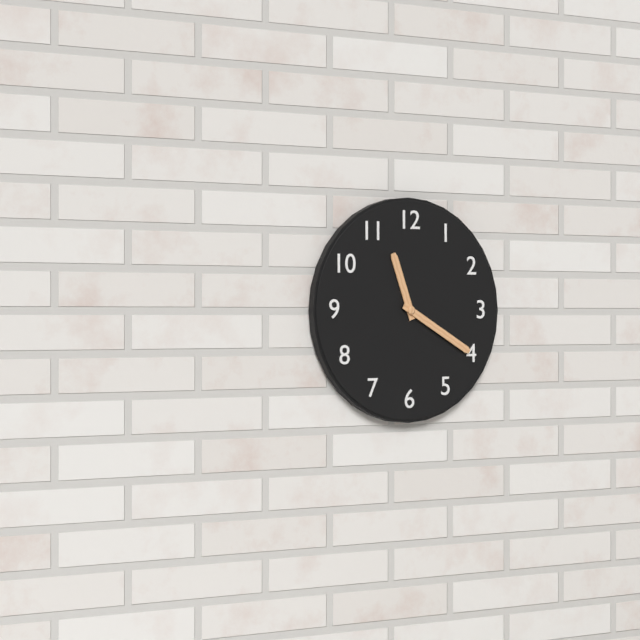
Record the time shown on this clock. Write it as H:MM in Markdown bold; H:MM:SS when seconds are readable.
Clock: **11:20**
